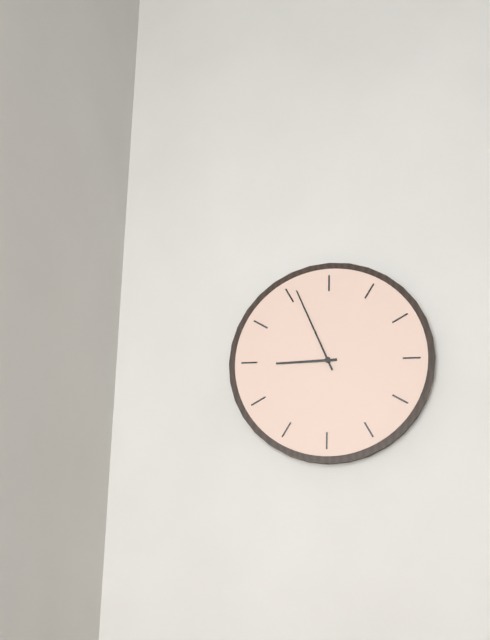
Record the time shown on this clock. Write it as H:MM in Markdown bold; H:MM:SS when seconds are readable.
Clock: **8:56**
